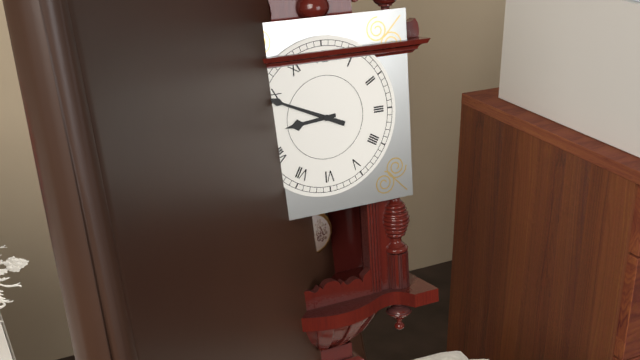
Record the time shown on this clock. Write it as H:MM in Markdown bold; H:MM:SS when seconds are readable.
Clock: **8:49**
